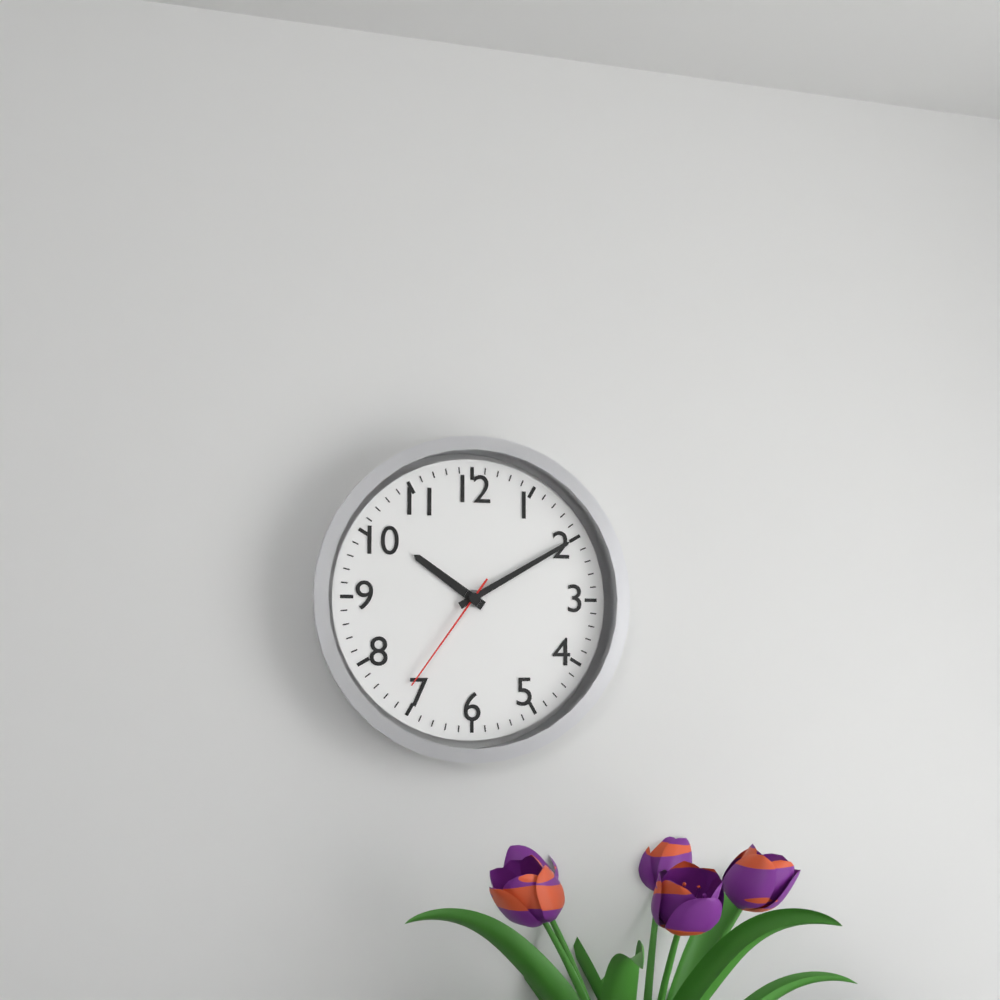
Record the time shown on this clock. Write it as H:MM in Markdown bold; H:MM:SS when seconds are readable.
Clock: **10:10:36**
